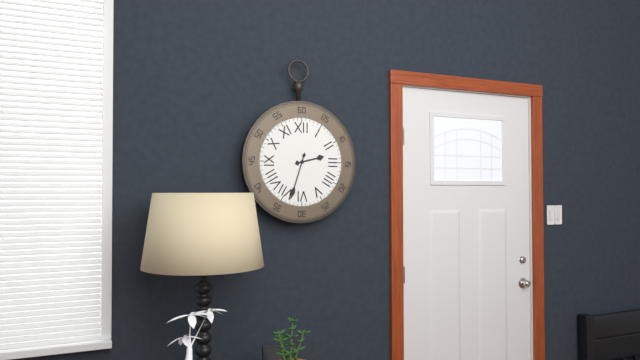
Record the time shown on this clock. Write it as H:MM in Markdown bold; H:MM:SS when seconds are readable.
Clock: **2:33**
